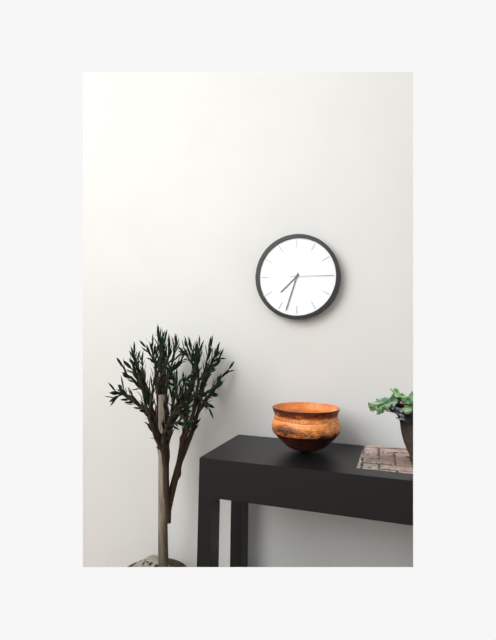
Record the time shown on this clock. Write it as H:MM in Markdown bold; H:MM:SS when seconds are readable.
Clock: **7:33**
